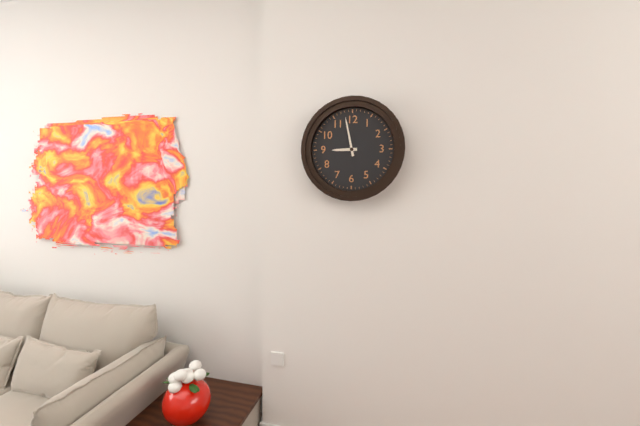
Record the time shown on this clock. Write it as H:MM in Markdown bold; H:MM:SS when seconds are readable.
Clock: **8:58**
